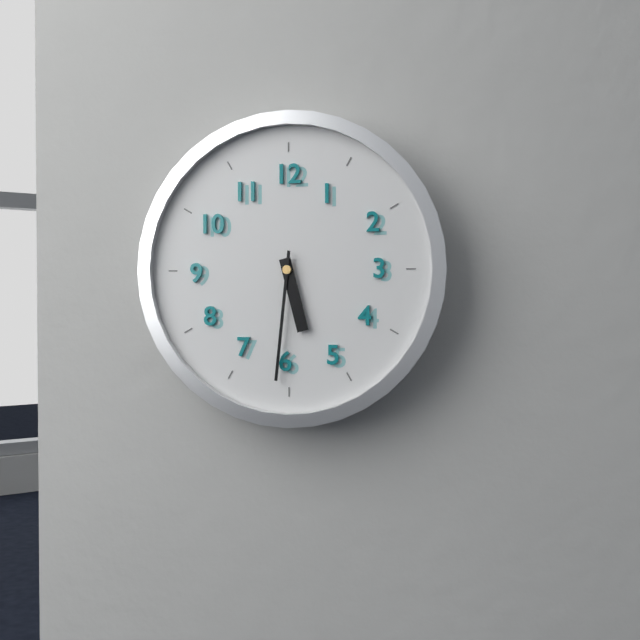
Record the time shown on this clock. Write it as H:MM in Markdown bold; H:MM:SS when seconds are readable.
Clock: **5:31**
